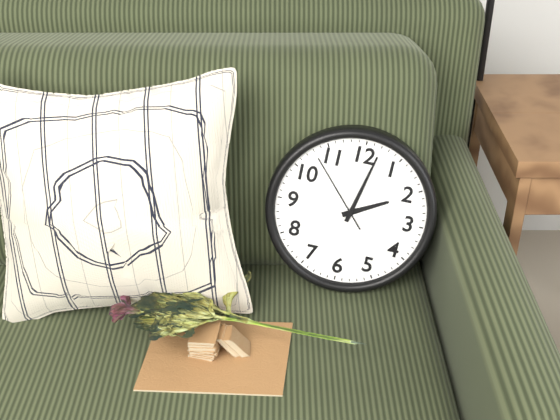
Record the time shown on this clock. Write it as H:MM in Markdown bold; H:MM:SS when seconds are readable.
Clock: **2:02:53**
